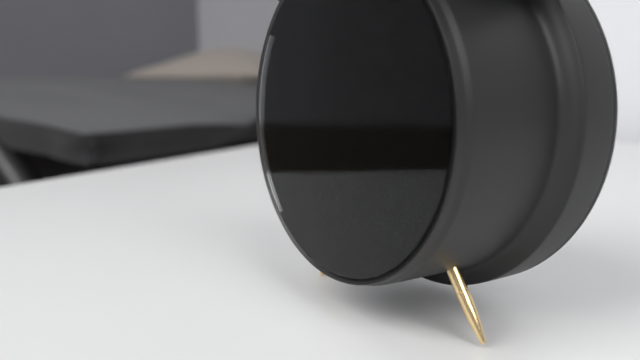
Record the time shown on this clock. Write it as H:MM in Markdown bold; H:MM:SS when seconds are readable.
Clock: **6:52:16**
